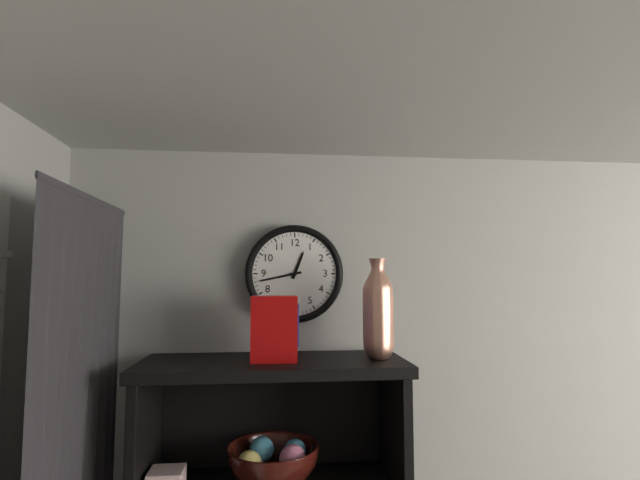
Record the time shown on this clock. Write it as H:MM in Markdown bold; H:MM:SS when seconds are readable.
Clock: **12:43**
